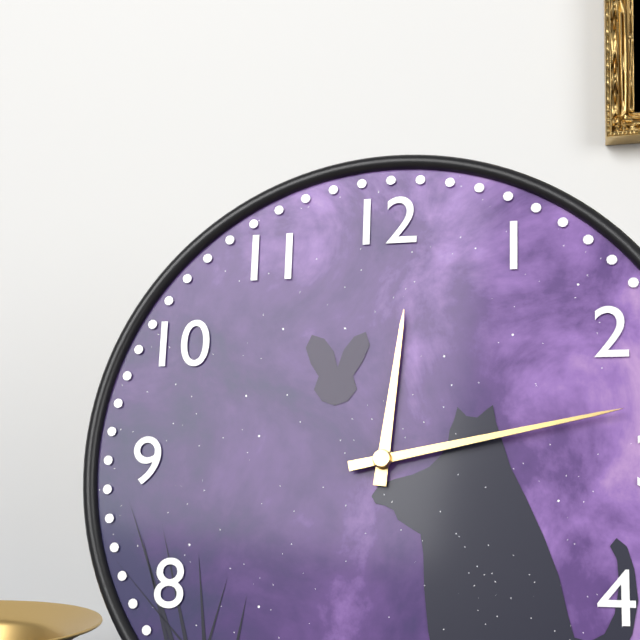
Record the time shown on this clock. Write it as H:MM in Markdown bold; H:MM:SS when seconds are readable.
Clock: **12:13**
